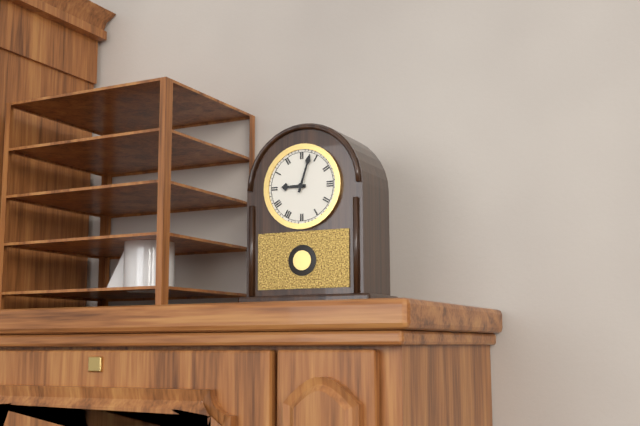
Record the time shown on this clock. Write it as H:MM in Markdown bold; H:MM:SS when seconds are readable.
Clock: **9:03**
